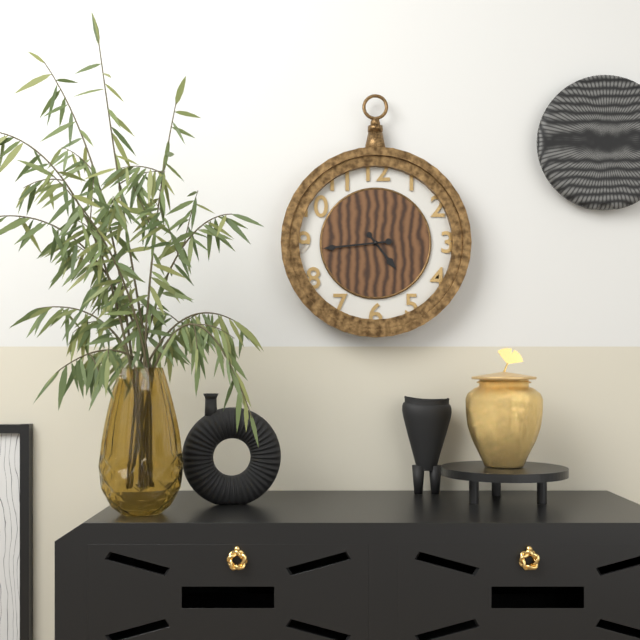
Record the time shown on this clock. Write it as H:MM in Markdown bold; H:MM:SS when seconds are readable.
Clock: **4:44**
